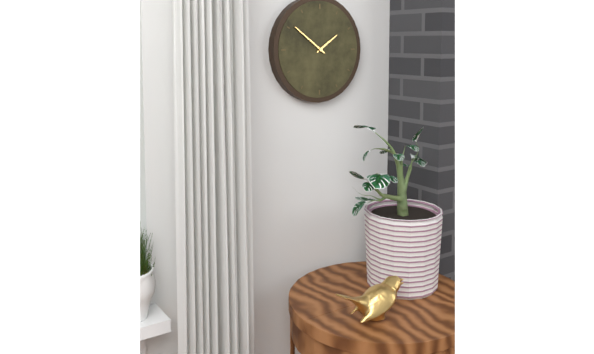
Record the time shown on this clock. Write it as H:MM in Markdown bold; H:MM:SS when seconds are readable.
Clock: **1:51**
